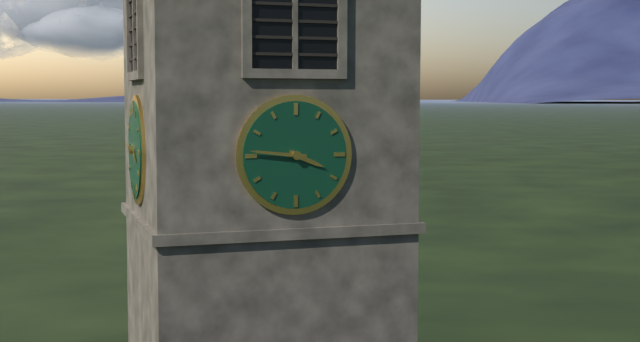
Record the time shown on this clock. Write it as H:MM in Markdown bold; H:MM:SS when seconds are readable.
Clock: **3:46**
